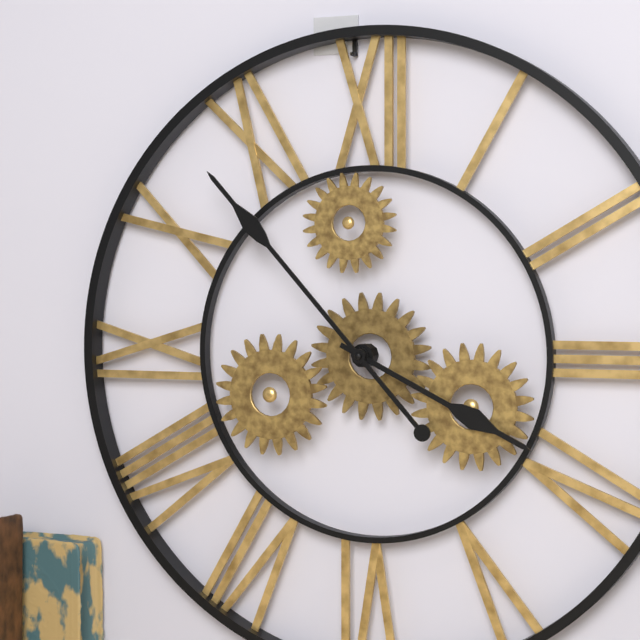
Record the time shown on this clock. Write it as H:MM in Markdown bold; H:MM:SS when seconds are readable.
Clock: **3:53**
